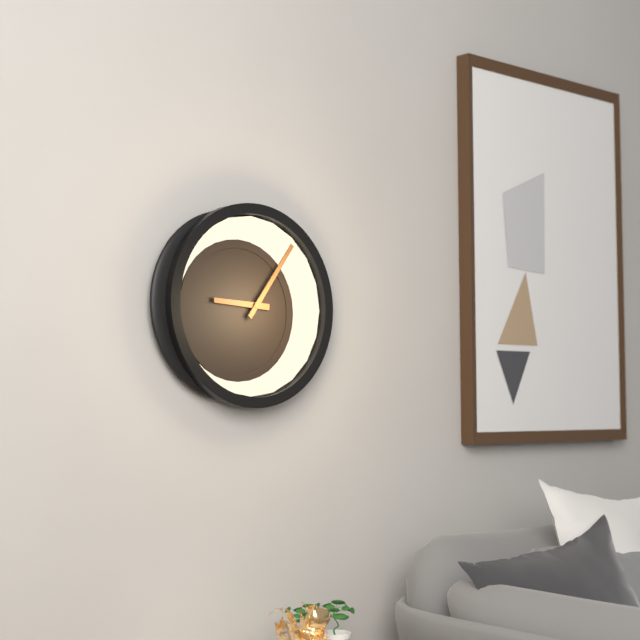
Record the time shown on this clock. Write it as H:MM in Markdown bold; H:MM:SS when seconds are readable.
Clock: **9:06**
